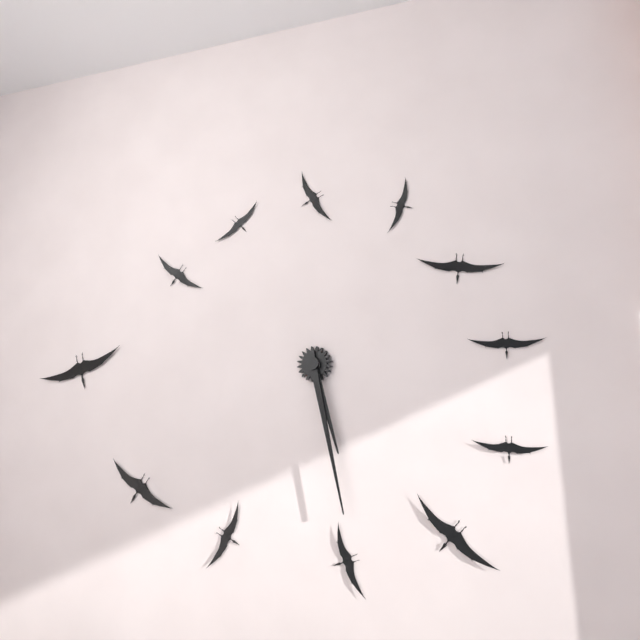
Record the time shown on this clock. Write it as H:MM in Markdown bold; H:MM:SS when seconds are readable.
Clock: **5:28**
